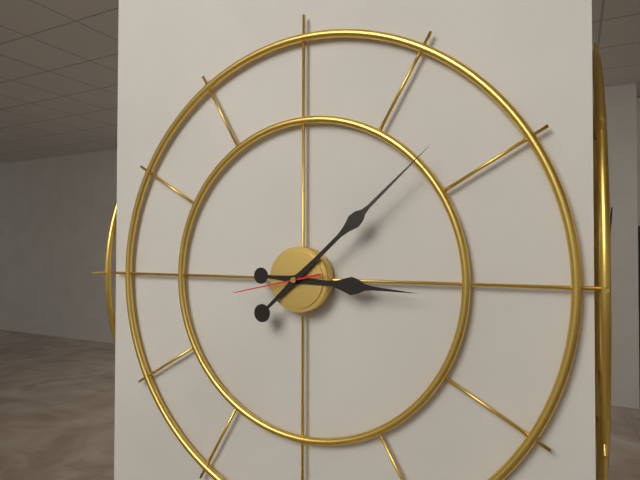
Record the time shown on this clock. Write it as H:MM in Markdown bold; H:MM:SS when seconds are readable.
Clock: **3:08:43**
